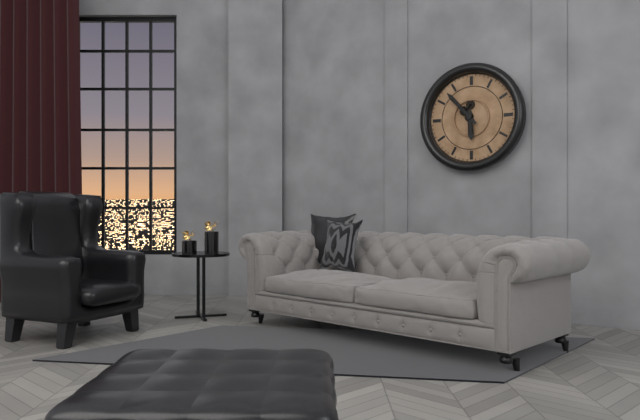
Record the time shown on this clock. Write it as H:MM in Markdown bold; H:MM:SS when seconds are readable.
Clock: **5:53**
